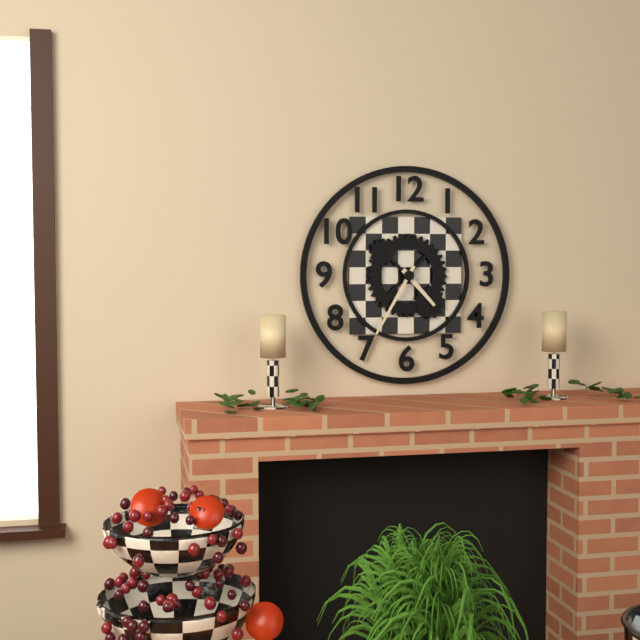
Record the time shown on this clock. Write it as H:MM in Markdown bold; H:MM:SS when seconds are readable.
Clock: **4:35**
